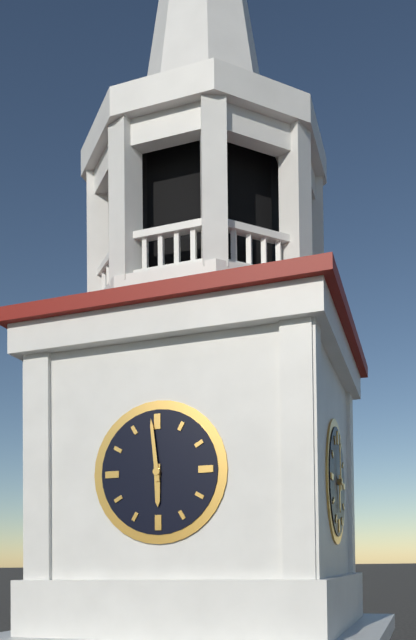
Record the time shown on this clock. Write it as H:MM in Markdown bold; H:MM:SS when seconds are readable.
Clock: **5:59**
